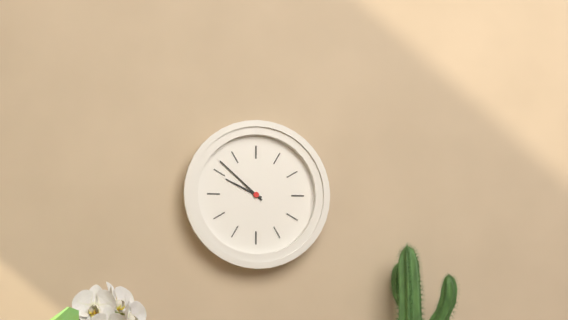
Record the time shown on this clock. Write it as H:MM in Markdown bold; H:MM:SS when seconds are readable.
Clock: **9:52**
